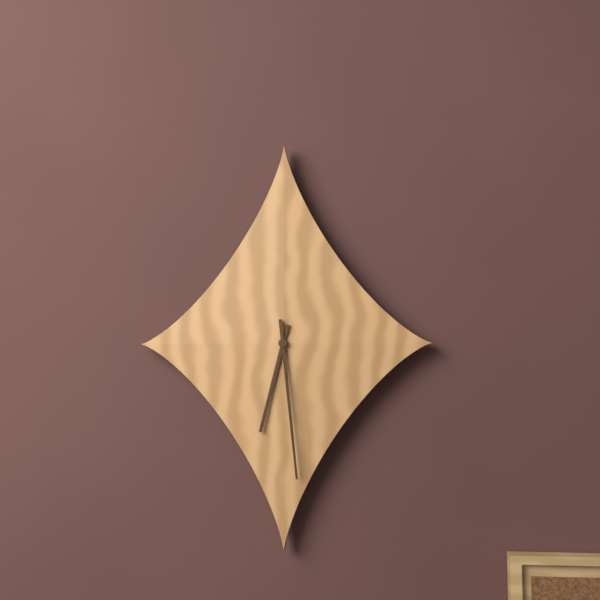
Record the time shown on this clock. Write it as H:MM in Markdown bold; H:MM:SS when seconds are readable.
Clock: **6:29**
